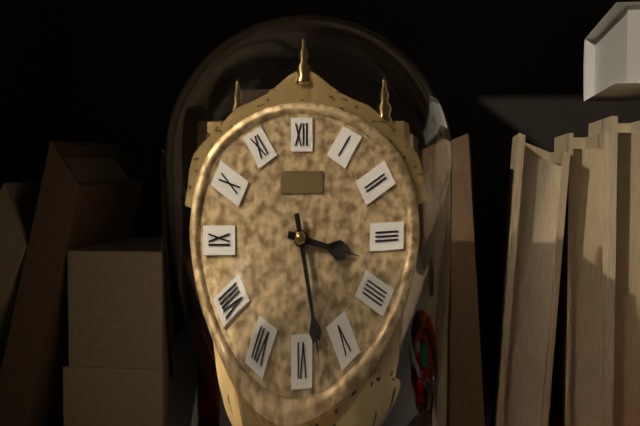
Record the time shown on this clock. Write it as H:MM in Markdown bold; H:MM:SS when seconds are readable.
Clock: **3:28**
